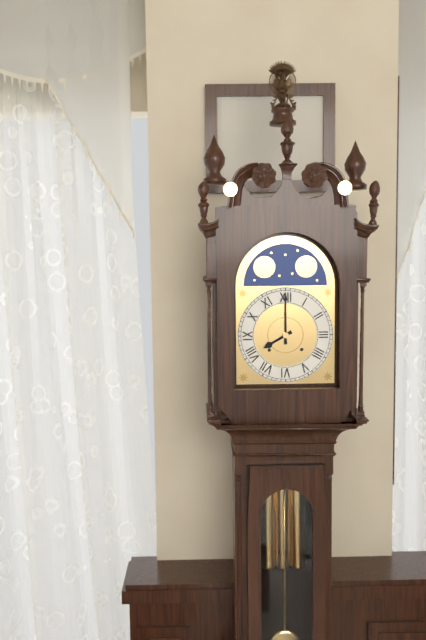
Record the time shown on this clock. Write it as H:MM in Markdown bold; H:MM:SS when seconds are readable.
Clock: **8:00**
